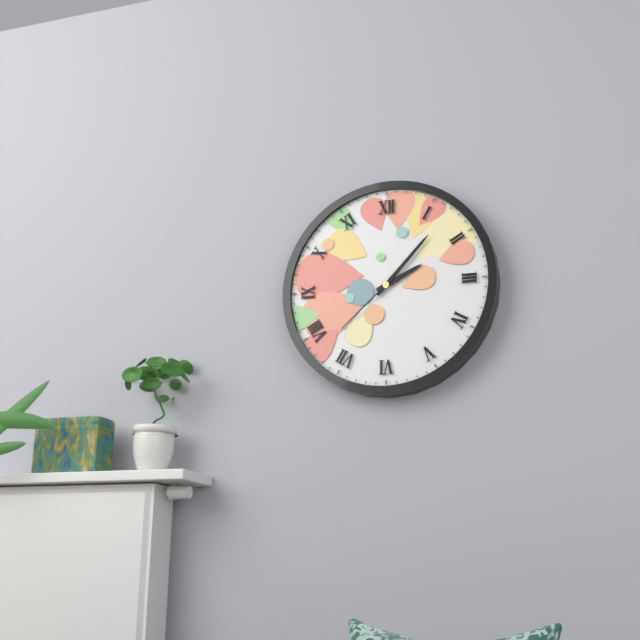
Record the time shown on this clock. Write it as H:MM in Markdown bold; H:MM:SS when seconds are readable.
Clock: **2:07:38**
